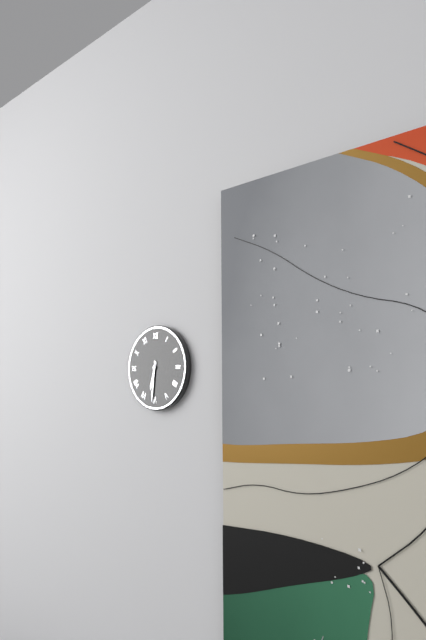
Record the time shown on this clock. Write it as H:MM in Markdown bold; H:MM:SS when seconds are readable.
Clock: **6:31**
